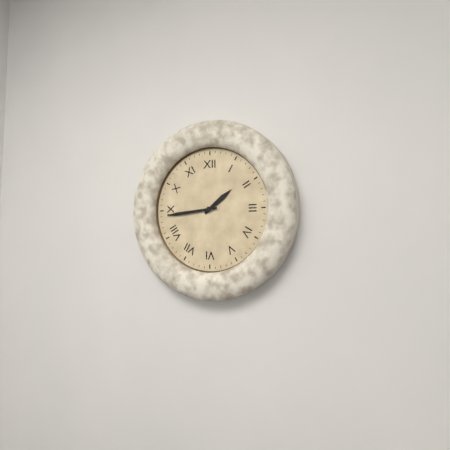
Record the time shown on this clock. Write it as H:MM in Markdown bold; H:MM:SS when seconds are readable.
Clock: **1:44**
